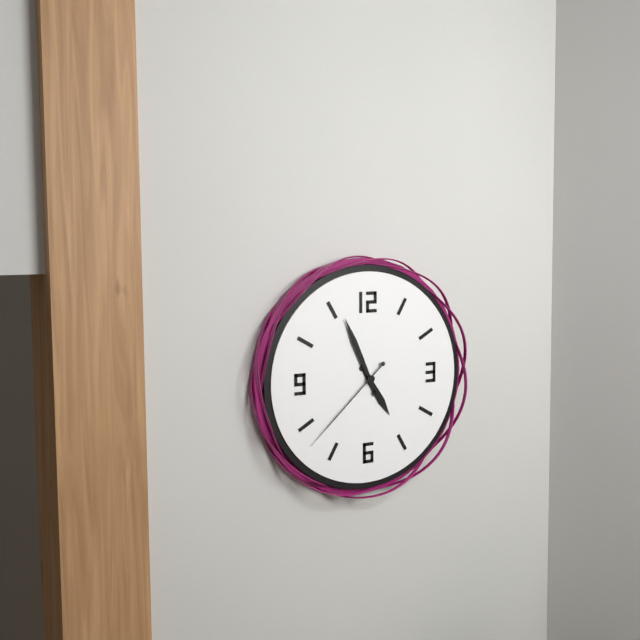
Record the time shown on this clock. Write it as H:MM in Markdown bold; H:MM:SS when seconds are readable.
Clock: **4:56:38**
